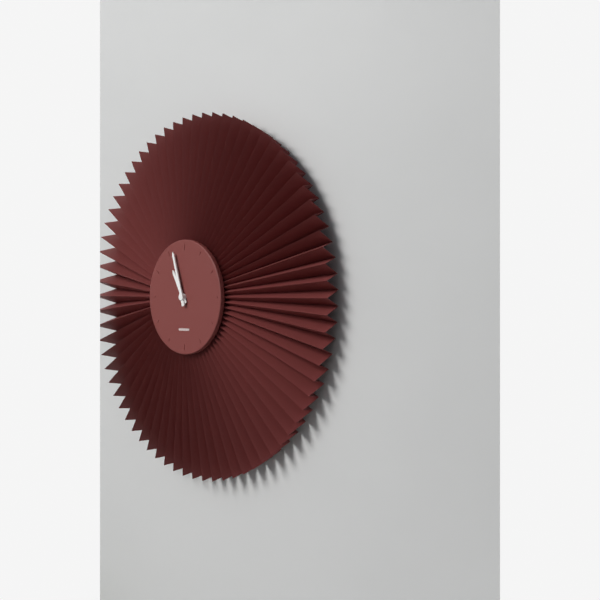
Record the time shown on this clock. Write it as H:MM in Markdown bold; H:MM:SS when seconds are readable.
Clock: **10:57**
